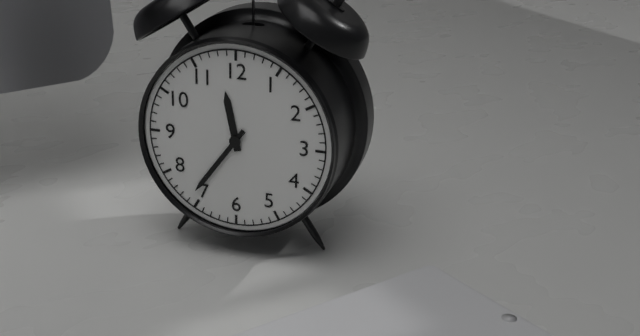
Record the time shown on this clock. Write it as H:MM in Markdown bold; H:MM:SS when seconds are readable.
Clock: **11:36**
